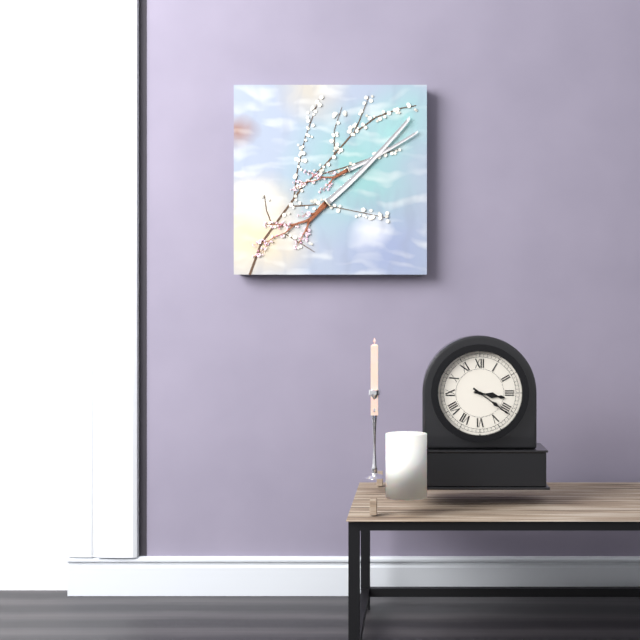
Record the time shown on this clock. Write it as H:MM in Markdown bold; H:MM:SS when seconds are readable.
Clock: **3:21**
